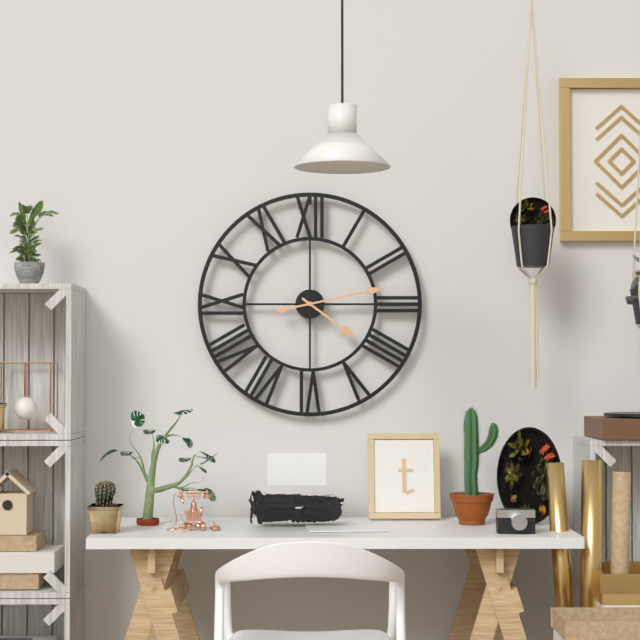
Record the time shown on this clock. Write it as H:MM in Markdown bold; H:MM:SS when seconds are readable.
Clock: **4:13**
